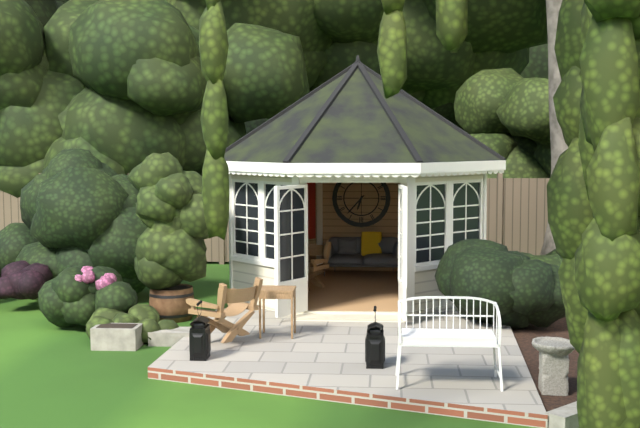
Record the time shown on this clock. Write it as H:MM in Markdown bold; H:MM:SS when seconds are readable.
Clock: **6:37**
